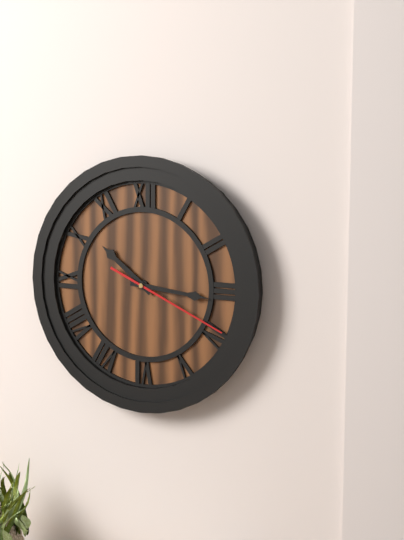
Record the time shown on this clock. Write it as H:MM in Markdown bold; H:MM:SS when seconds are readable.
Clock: **10:16:19**
